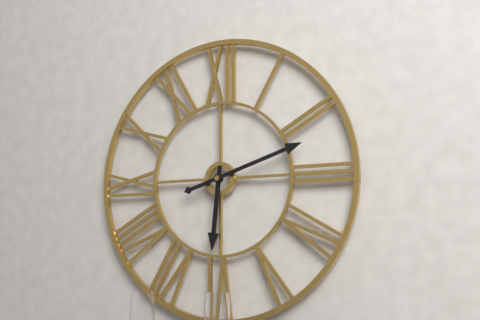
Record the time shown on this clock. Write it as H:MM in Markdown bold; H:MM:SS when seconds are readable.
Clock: **6:12**
